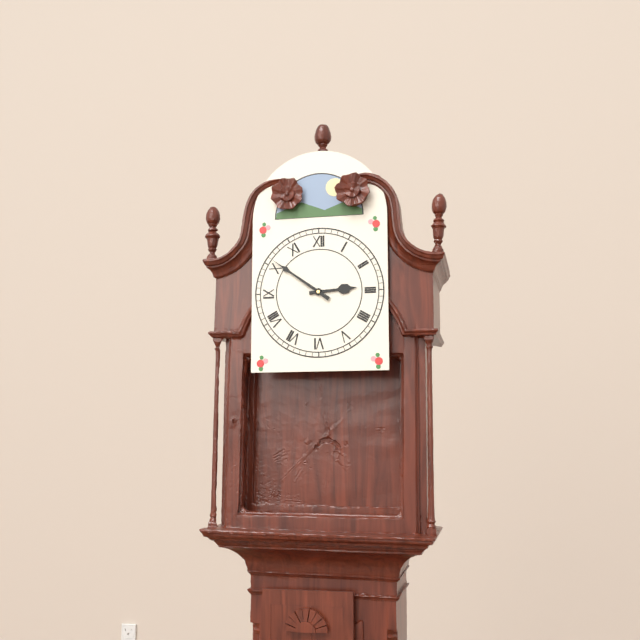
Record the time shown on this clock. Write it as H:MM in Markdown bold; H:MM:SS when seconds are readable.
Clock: **2:51**
